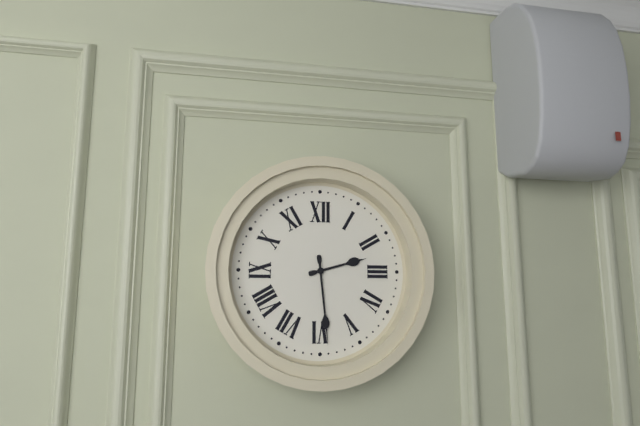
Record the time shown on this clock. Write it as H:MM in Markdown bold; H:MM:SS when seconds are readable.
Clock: **2:29**
